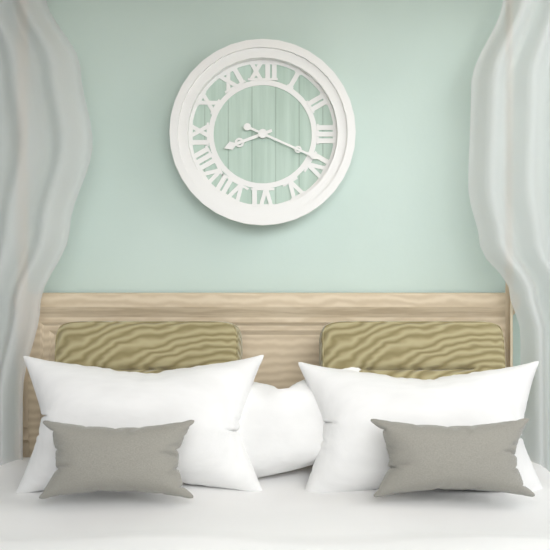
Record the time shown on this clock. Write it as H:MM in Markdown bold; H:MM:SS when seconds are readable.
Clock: **8:19**
